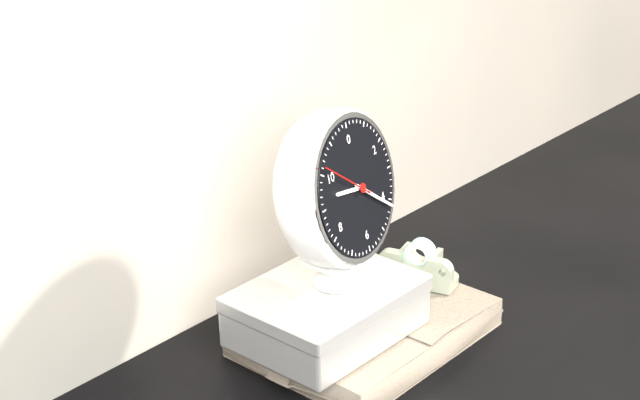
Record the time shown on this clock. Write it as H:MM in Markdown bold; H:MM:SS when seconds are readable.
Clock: **9:21:51**
